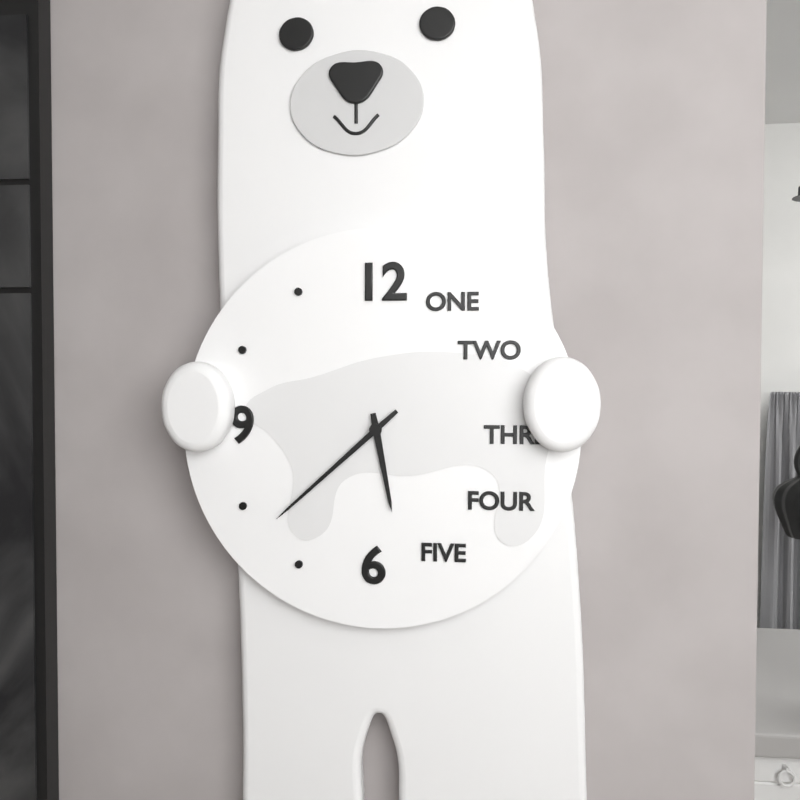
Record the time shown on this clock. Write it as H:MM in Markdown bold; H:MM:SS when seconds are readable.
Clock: **5:38**
